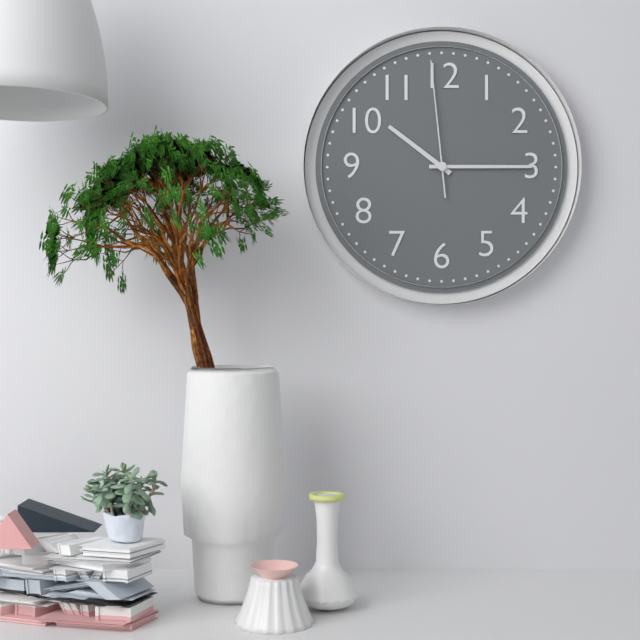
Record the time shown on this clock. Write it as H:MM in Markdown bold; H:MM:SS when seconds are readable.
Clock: **10:15:59**
